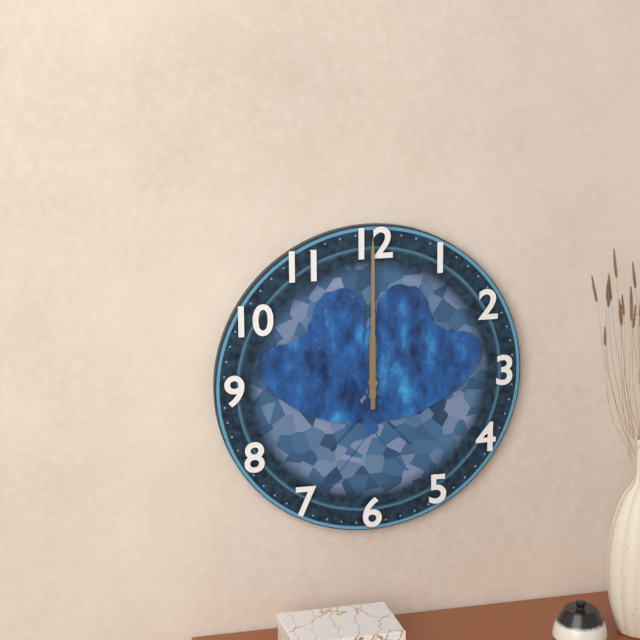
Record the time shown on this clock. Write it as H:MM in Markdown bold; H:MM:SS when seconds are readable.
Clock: **12:00**
